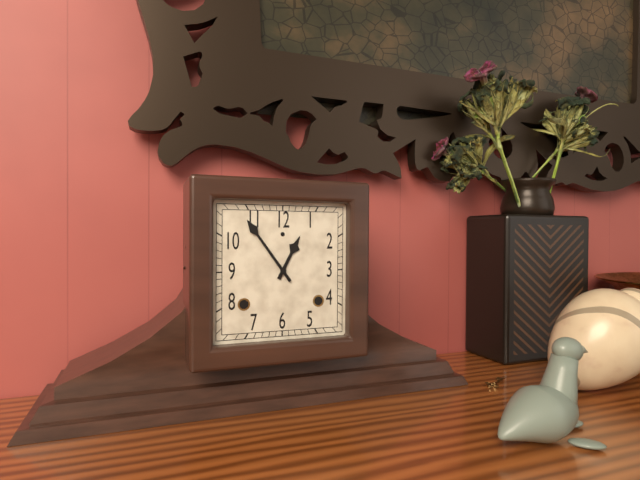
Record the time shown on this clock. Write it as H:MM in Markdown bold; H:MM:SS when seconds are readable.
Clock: **12:54**
